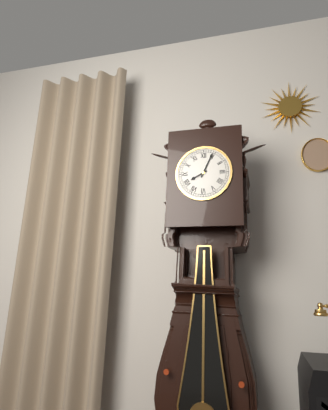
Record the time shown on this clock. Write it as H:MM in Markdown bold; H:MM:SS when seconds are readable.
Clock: **8:04**
